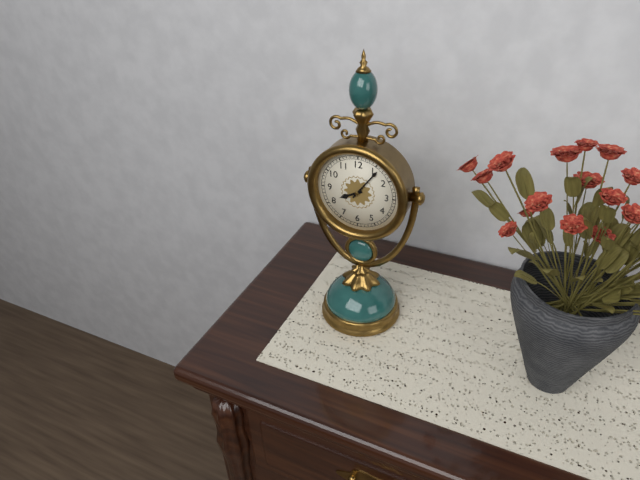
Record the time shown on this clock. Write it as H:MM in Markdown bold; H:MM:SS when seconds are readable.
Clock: **8:06**
